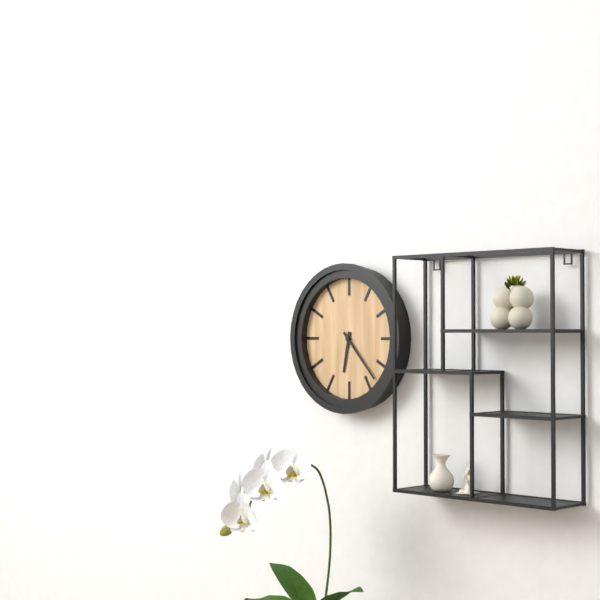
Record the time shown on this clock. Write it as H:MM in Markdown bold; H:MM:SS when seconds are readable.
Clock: **6:23**
